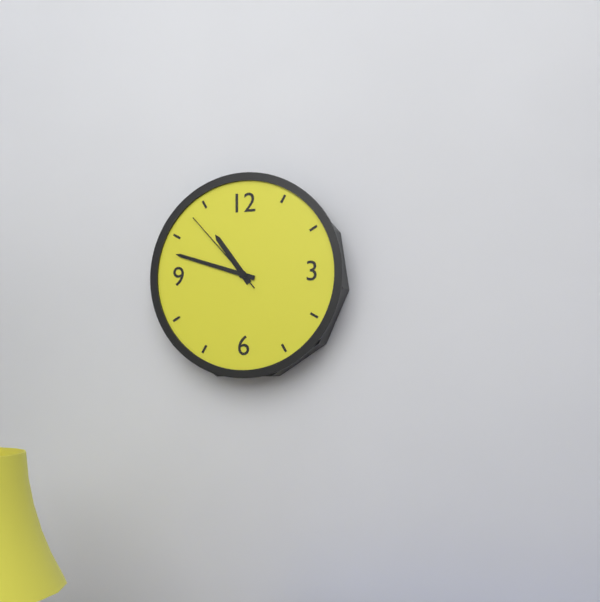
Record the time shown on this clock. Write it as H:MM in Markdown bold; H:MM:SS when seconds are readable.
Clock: **10:48:53**
